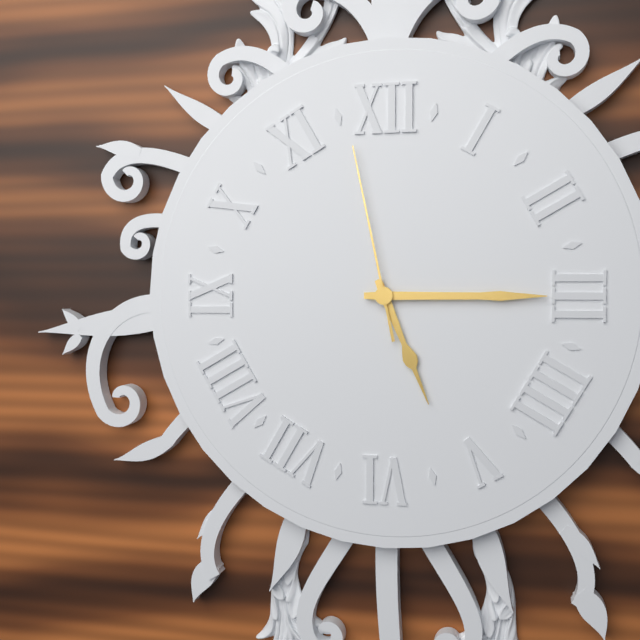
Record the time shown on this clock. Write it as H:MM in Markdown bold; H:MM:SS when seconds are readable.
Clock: **5:15:58**
